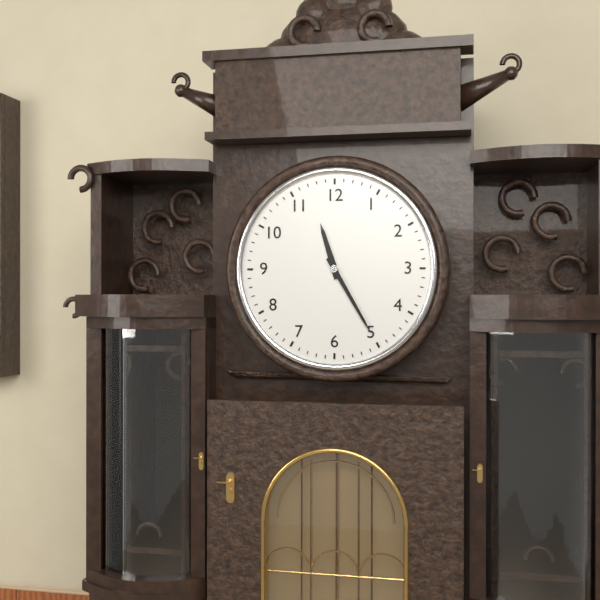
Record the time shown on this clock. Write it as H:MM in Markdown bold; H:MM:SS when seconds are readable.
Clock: **11:25**
